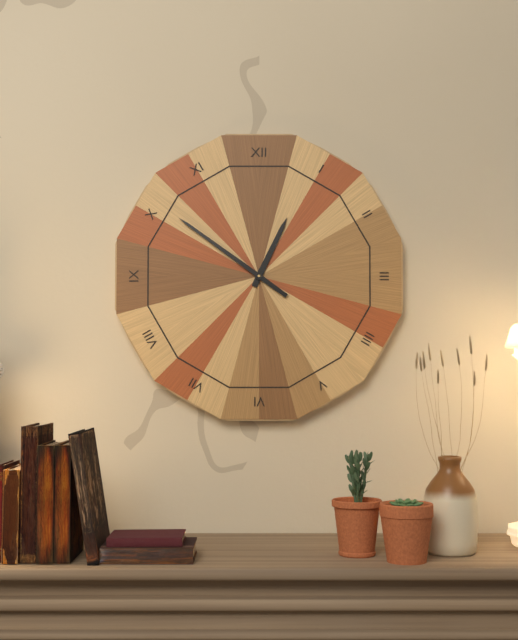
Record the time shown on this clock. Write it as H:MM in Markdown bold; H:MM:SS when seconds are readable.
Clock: **12:51**
